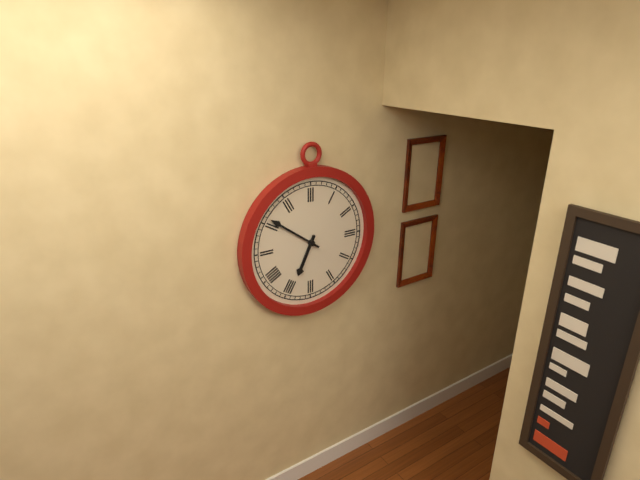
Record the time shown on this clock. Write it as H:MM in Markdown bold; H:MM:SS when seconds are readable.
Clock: **6:51**
